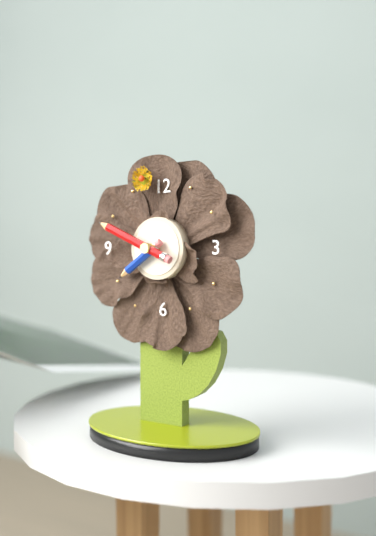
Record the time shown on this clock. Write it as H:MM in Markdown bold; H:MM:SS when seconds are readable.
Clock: **7:49**
